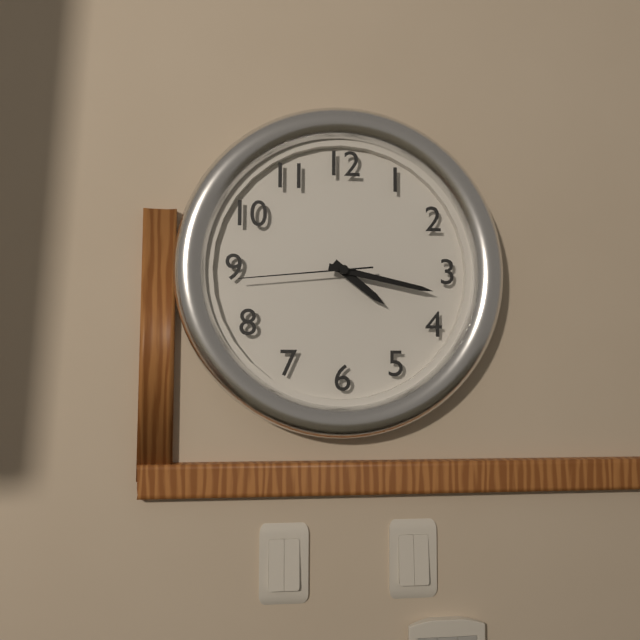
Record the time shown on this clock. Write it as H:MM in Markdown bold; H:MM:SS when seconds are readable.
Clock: **4:17:44**
